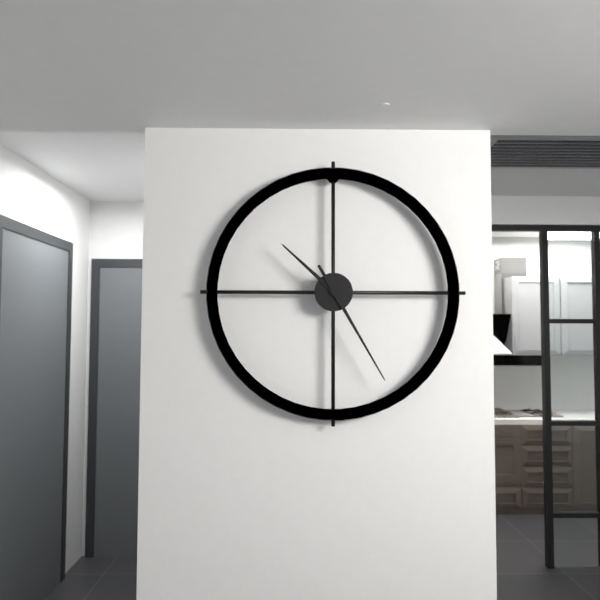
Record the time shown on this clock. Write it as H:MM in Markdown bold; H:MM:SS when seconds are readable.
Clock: **10:25**
